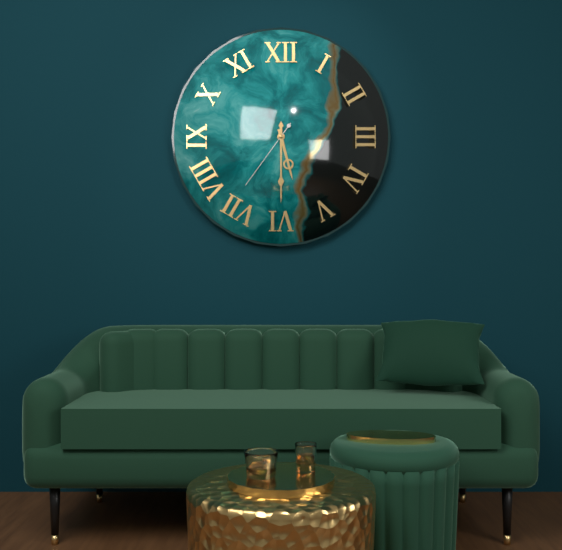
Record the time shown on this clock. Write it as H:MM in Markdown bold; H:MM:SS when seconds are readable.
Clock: **5:30:36**
